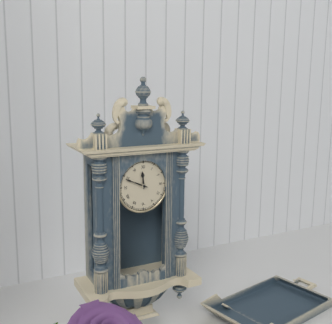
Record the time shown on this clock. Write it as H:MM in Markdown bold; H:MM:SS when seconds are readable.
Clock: **11:49**
